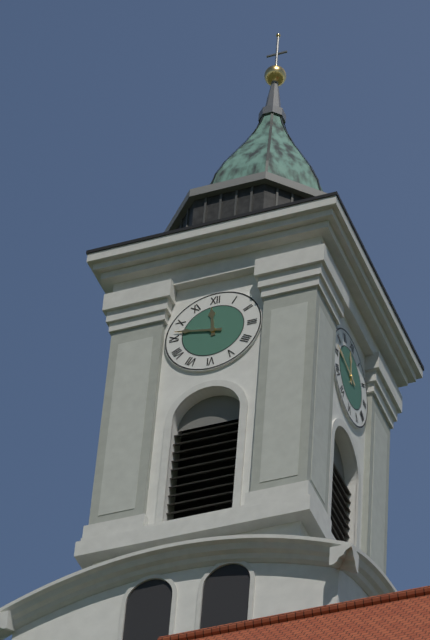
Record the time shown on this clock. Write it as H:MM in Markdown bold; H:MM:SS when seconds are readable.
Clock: **11:47**
